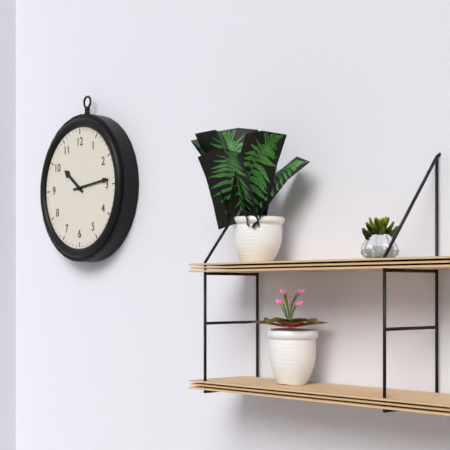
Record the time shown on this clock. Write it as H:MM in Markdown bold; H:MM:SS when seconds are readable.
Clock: **10:14**
